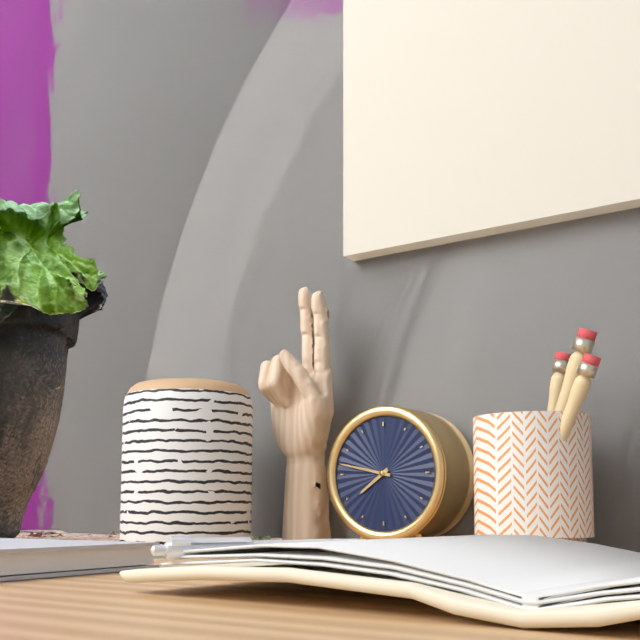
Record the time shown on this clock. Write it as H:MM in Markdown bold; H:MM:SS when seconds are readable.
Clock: **7:47**
